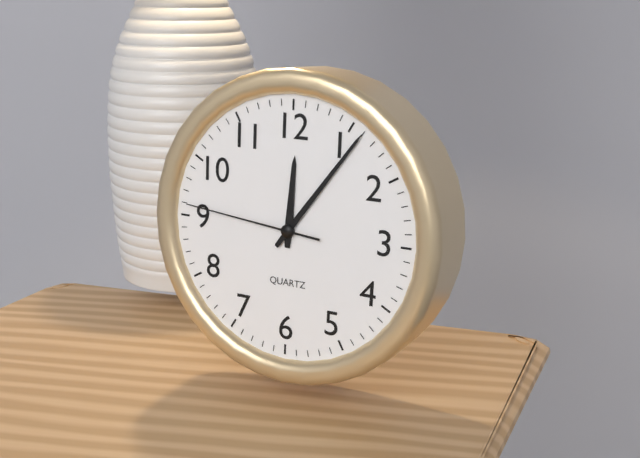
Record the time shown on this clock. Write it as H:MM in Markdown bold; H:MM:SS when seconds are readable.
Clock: **12:06:46**
